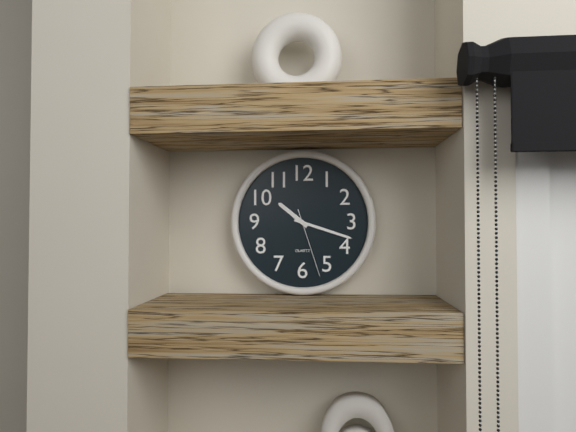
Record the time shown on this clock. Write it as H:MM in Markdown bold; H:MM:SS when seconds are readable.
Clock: **10:18:27**
